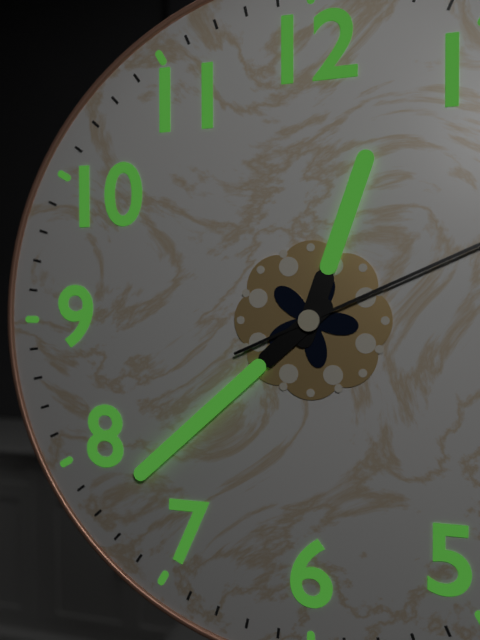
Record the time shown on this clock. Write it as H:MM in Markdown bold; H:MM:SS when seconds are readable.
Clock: **12:38**
